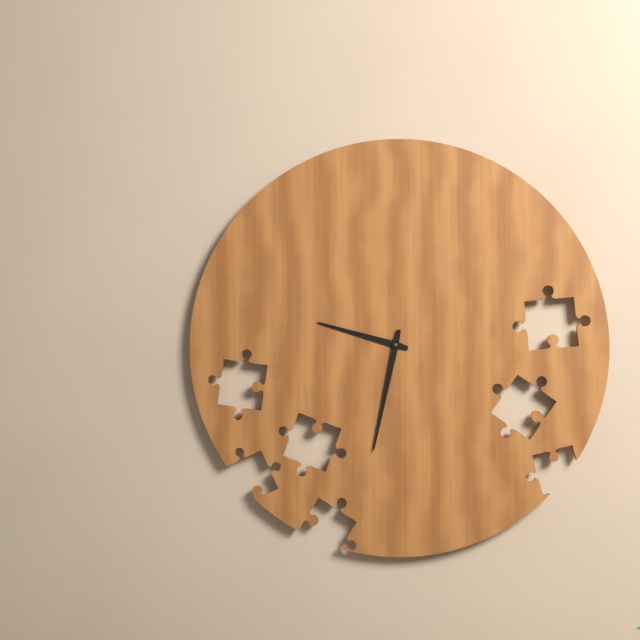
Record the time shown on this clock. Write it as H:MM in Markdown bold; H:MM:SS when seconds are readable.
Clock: **9:32**
